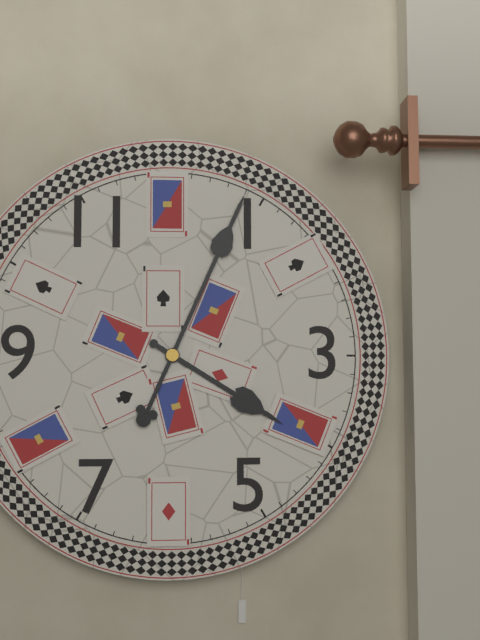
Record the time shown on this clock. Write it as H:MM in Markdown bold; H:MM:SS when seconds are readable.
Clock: **4:04**
